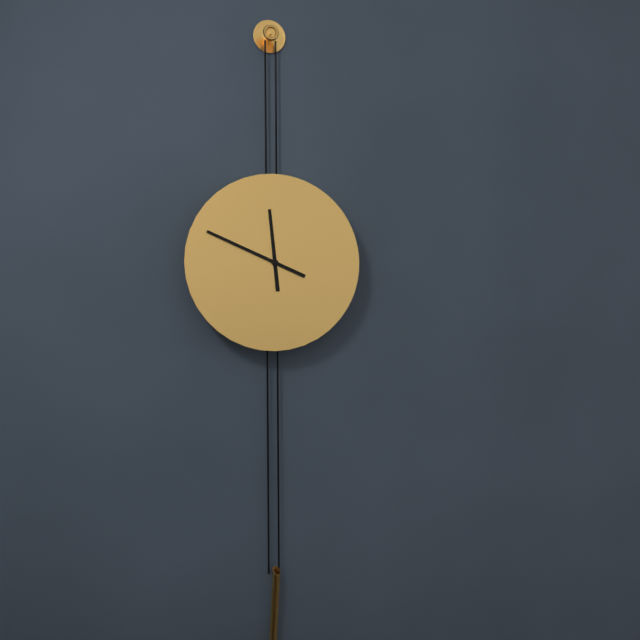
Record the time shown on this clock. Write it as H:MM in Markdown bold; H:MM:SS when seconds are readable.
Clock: **11:49**
